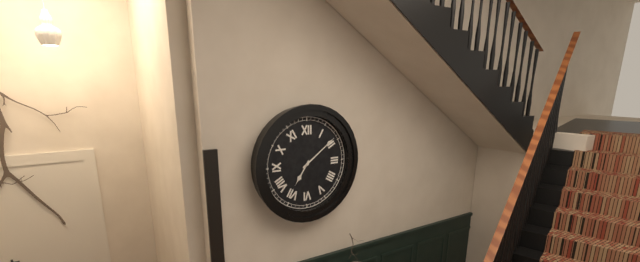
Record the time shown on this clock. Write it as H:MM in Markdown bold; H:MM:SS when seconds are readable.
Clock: **7:09**
